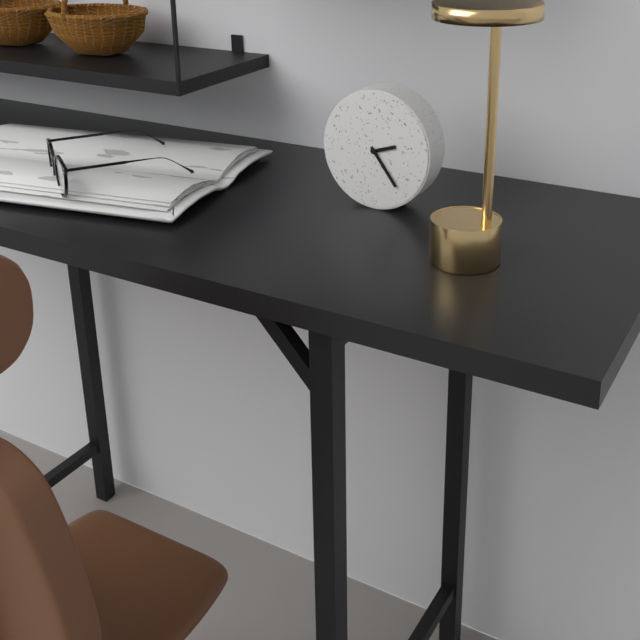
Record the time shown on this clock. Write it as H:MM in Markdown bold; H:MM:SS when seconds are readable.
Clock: **2:24**
